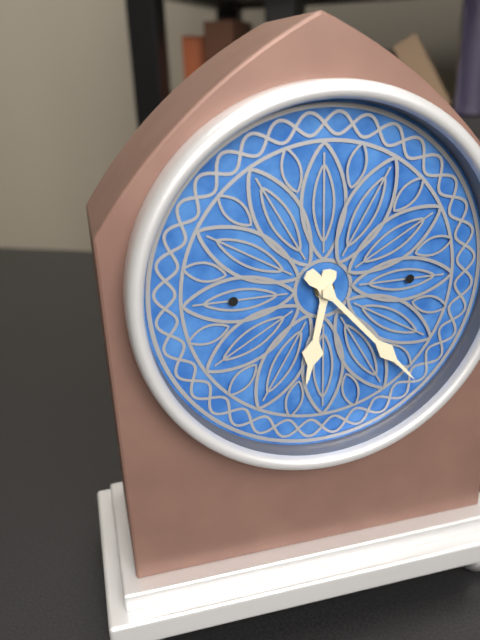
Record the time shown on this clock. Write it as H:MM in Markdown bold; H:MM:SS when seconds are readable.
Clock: **6:23**
